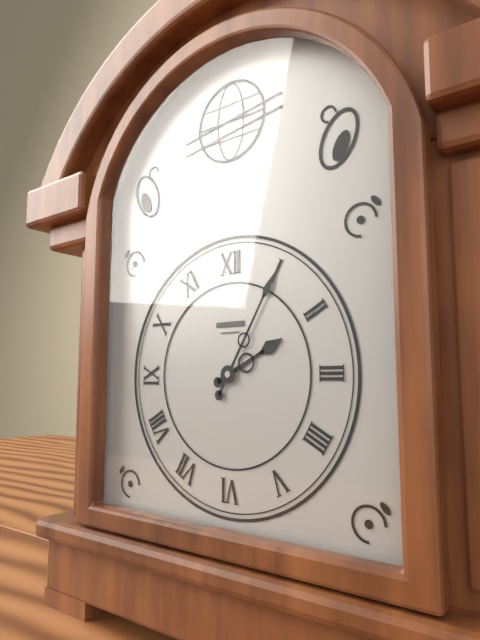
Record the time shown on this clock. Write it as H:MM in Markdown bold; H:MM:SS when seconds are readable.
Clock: **2:05**
